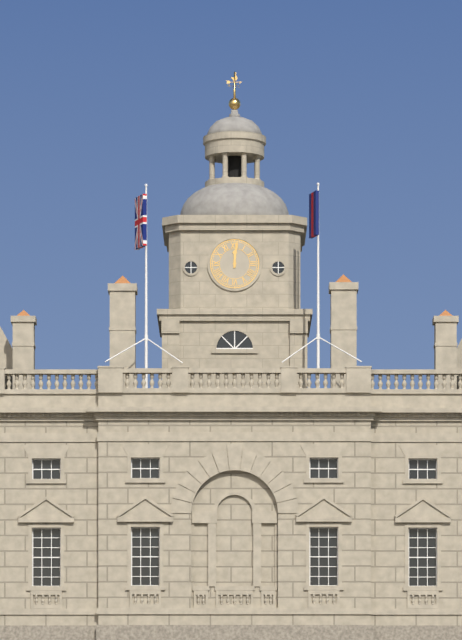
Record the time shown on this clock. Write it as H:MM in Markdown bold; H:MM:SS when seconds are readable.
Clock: **12:01**
